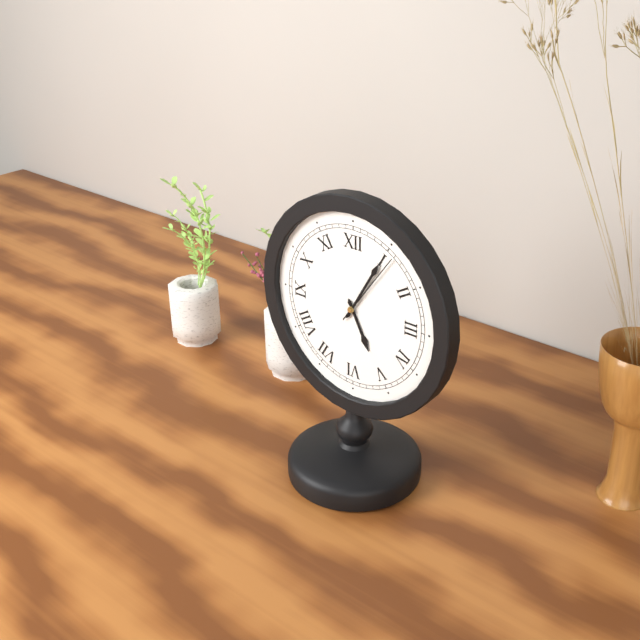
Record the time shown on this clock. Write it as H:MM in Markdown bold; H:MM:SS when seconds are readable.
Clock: **5:05:06**
